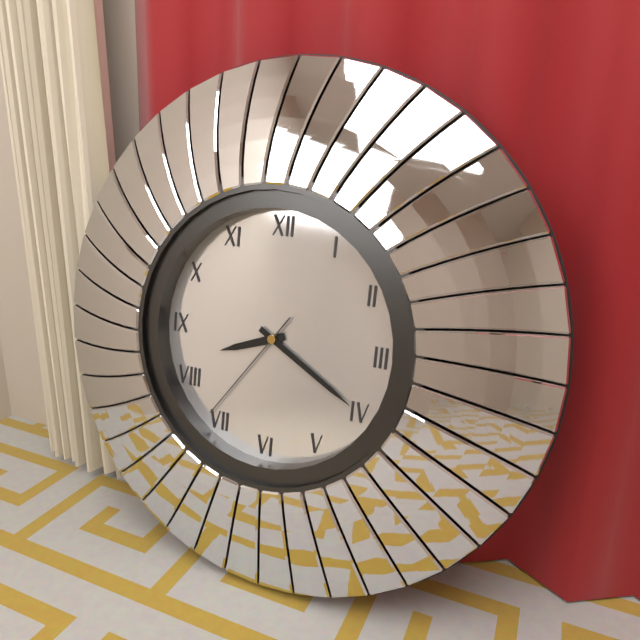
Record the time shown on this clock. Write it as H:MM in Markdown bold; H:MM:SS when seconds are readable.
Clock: **8:20:36**
